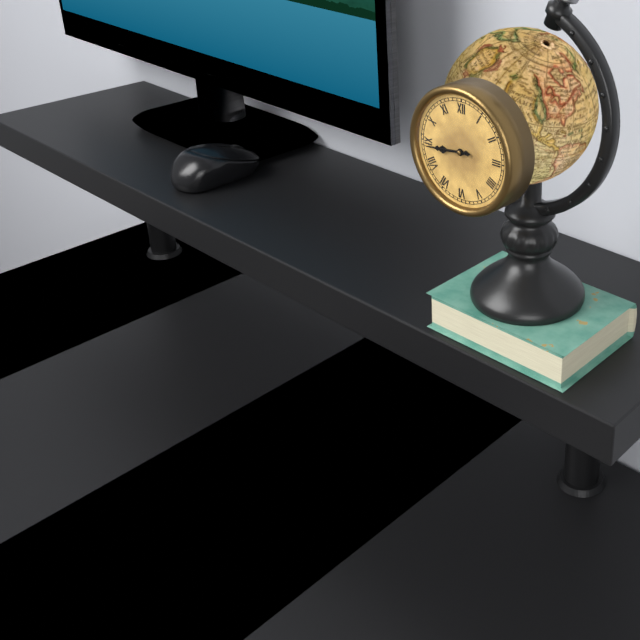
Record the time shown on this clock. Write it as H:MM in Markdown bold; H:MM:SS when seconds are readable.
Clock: **8:44**
